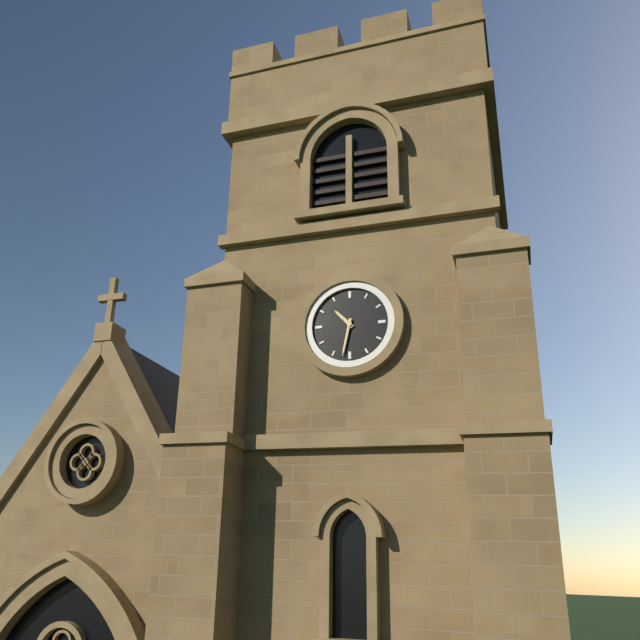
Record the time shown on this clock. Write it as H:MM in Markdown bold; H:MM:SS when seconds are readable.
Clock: **10:32**
